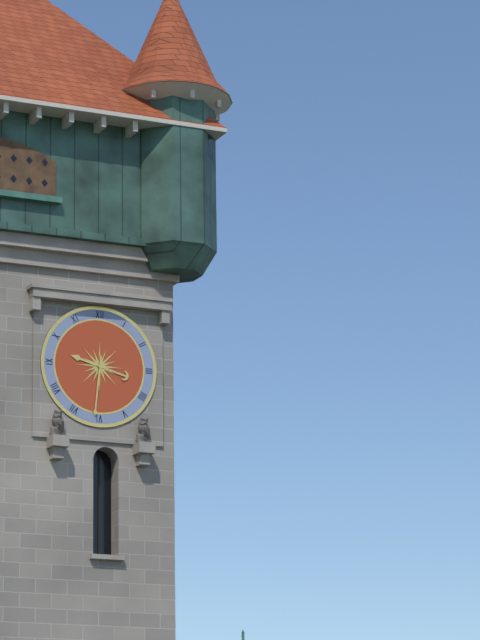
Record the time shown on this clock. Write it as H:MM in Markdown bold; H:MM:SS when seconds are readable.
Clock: **9:31**
